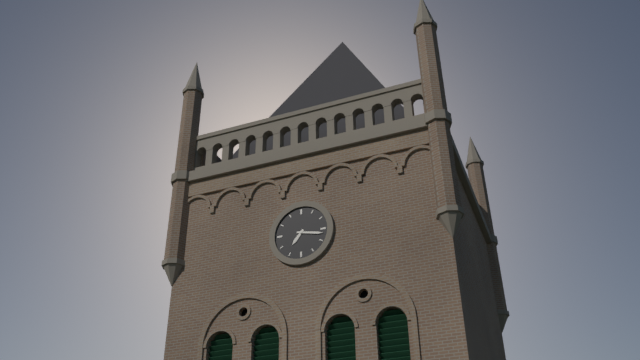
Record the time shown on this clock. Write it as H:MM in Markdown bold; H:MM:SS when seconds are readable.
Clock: **7:17**
